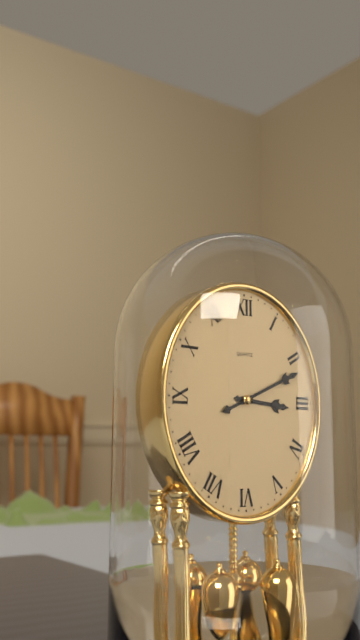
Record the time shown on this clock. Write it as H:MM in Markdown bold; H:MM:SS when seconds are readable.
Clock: **3:11**
